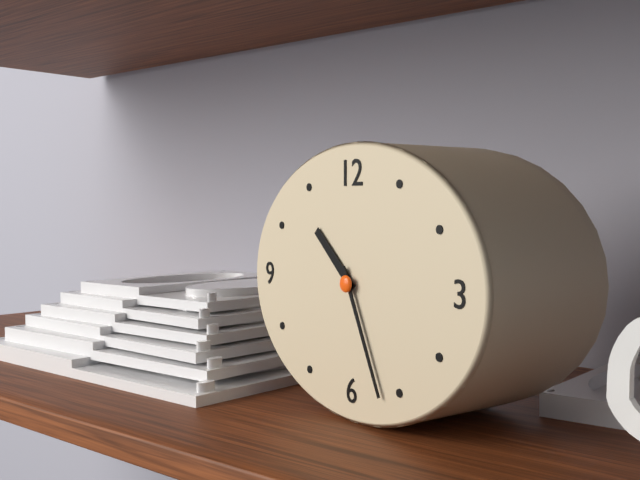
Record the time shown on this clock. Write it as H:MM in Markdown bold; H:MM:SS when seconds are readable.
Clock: **10:26**
